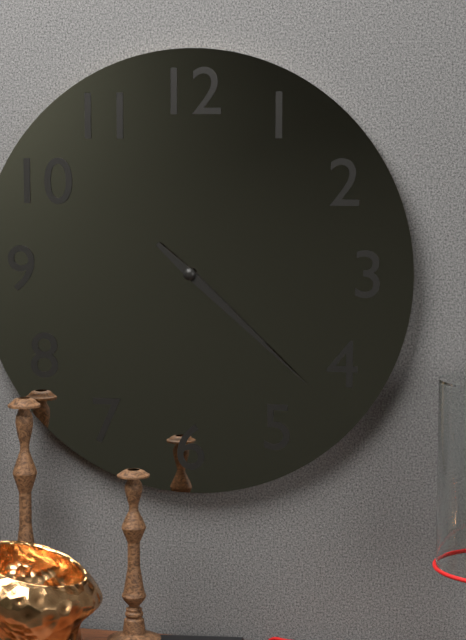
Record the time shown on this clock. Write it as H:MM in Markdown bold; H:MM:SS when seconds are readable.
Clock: **4:22**
